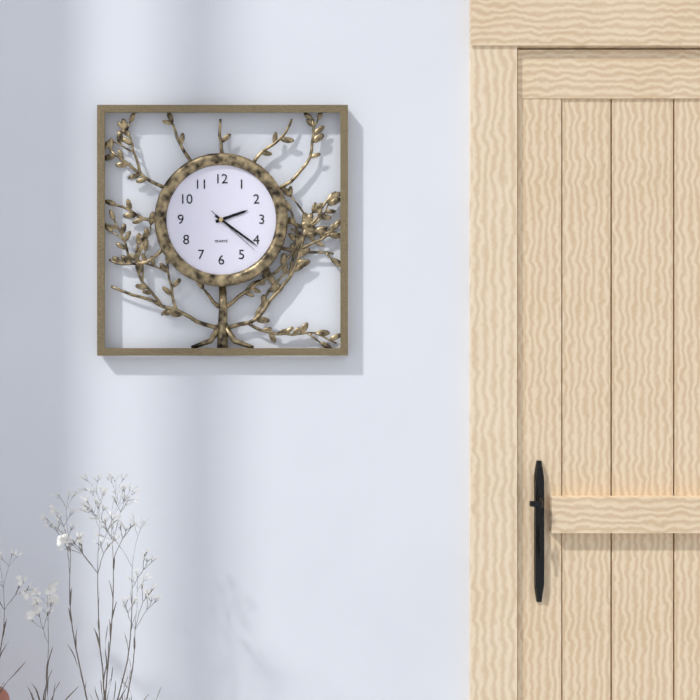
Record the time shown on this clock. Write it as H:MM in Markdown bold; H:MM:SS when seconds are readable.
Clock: **2:21:22**
